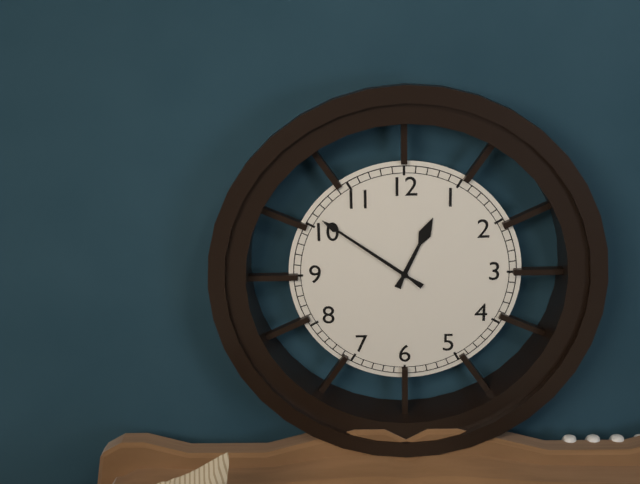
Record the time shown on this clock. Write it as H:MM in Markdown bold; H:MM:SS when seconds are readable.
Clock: **12:51**
